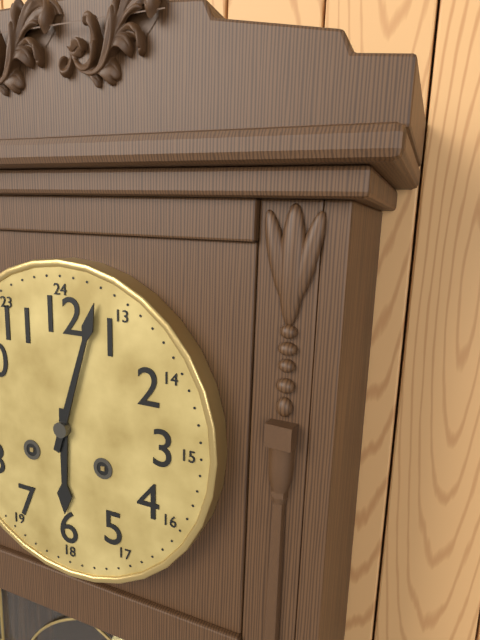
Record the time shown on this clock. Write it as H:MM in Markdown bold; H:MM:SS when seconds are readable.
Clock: **6:03**
